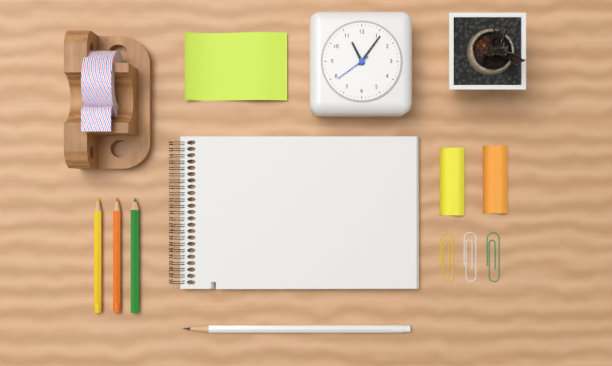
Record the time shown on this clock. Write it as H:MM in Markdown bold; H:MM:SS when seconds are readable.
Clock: **11:06**
